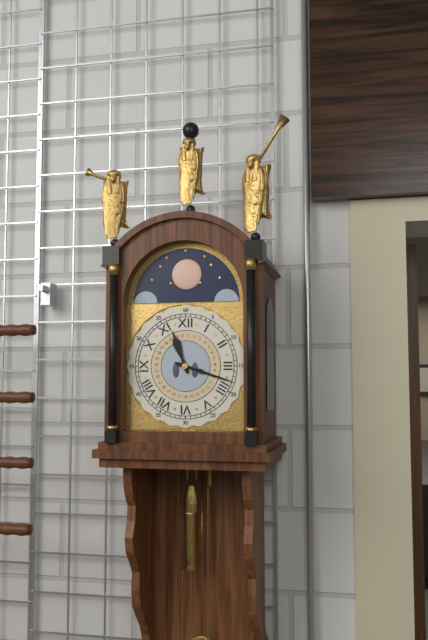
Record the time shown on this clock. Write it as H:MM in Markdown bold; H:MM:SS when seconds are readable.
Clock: **11:18**
